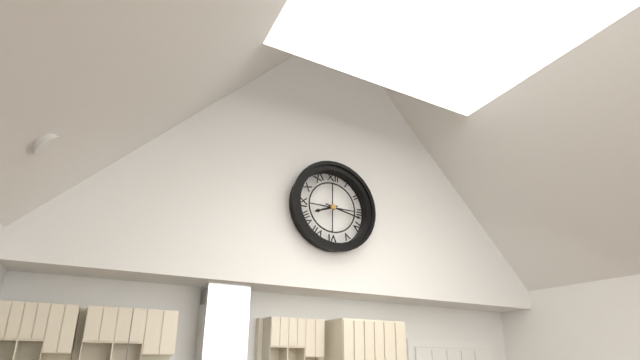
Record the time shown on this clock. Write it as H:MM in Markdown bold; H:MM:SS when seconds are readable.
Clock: **8:17**
